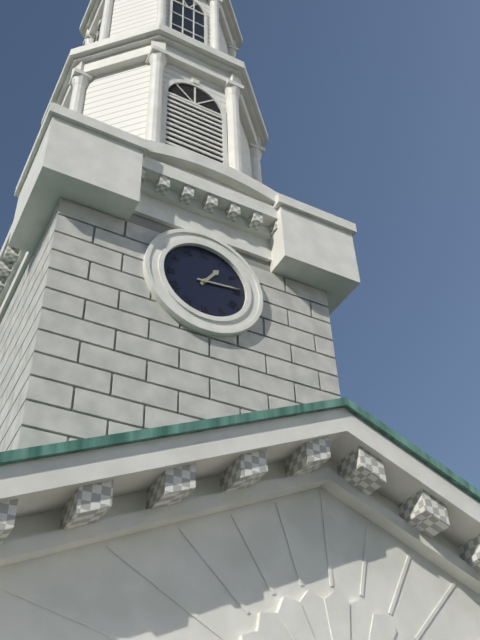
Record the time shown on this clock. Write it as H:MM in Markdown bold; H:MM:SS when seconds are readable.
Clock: **1:14**
